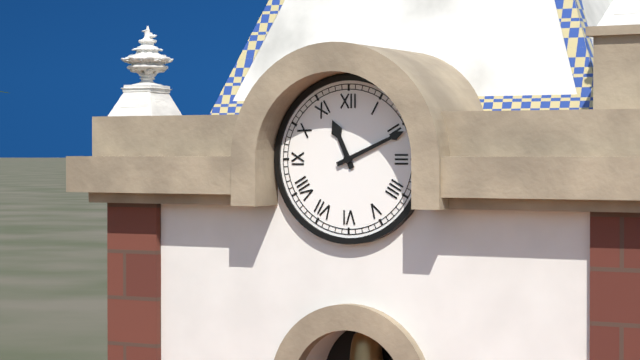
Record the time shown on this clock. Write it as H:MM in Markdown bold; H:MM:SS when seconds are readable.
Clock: **11:11**
